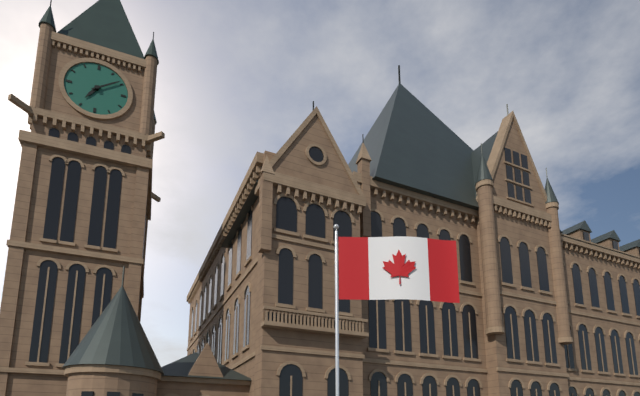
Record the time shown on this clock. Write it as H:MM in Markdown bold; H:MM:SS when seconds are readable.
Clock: **7:09**
